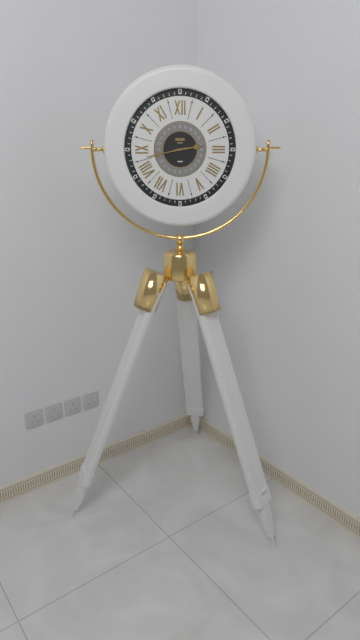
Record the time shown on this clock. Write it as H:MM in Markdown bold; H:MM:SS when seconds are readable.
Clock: **2:43**
